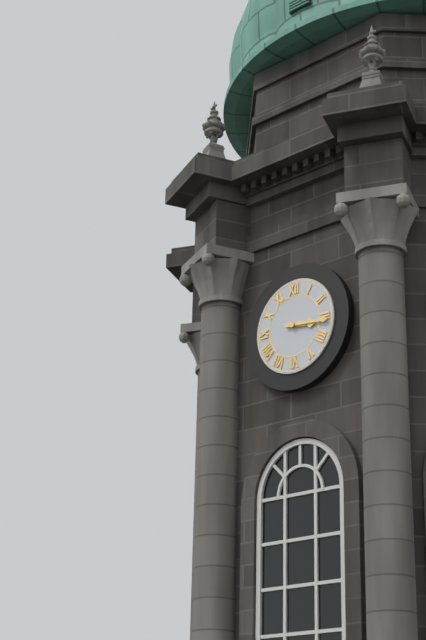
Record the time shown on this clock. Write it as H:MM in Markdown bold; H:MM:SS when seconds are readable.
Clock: **3:16**
